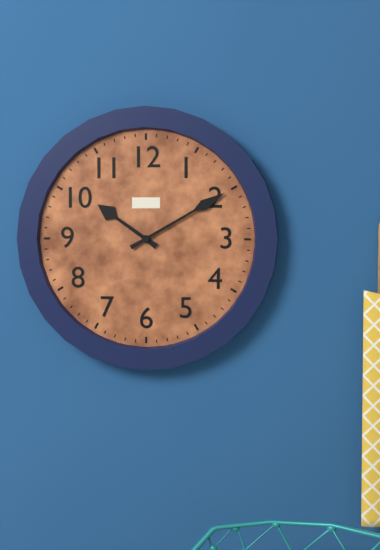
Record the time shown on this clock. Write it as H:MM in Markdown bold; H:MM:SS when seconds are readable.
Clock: **10:10**
